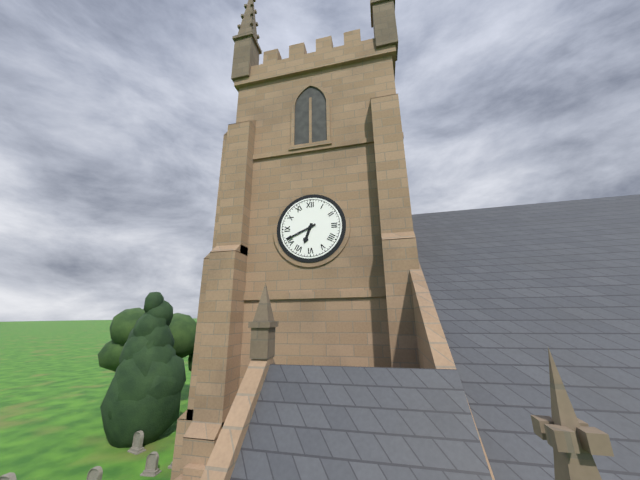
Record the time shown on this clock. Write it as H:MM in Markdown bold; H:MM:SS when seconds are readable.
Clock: **6:41**
